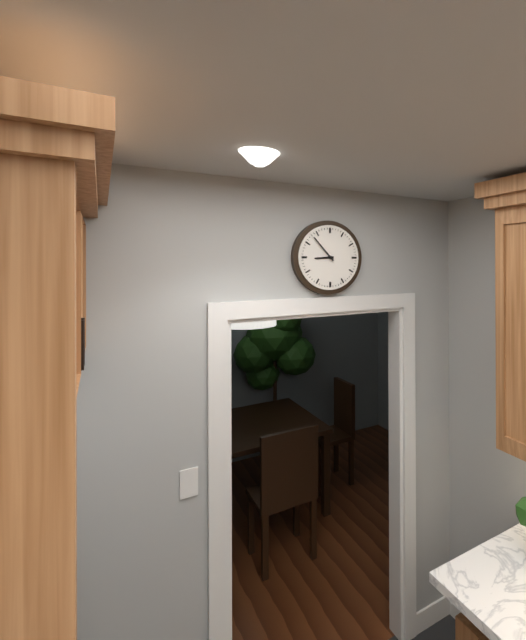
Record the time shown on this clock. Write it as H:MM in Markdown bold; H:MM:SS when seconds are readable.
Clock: **8:53**
